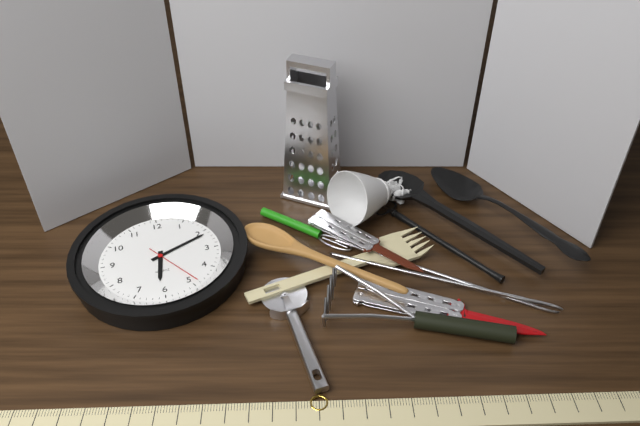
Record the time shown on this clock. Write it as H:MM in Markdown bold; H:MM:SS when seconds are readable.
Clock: **6:11:24**
